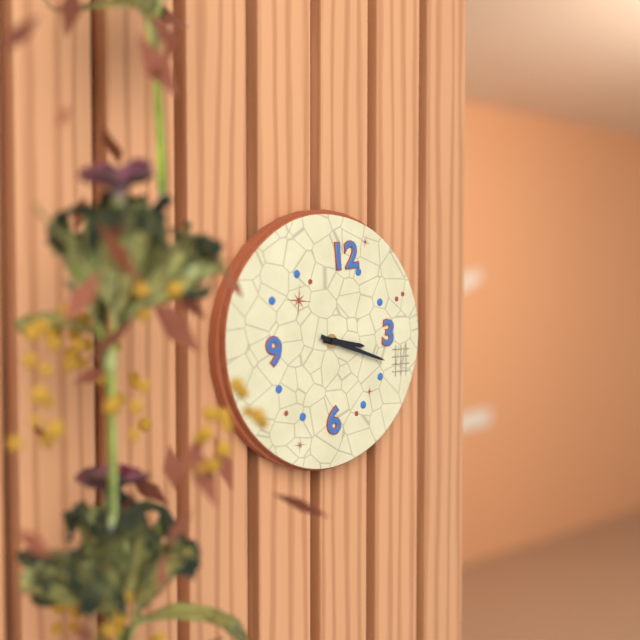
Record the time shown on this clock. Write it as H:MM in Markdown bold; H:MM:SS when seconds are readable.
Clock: **3:18**
